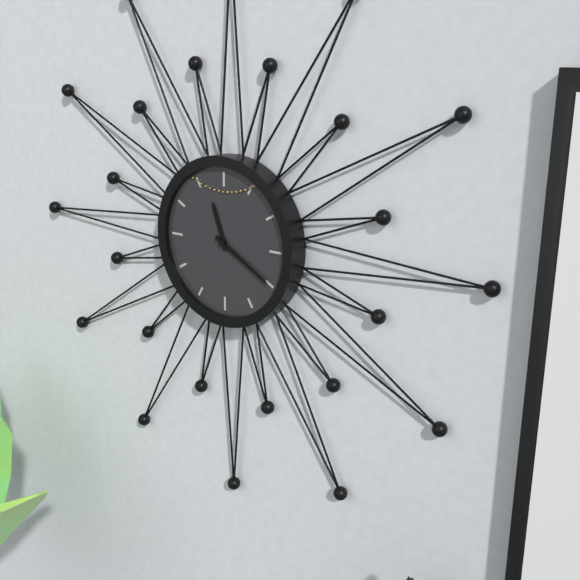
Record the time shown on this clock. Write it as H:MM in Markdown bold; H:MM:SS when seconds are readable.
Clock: **11:20**
